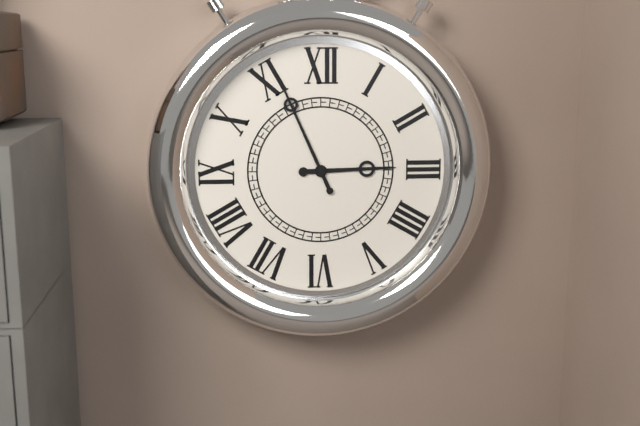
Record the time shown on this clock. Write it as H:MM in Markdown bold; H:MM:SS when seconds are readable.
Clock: **2:56**
